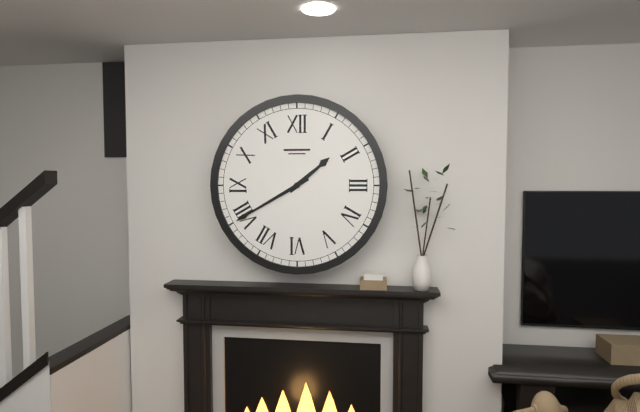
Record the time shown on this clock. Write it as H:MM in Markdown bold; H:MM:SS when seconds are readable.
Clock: **1:40**
